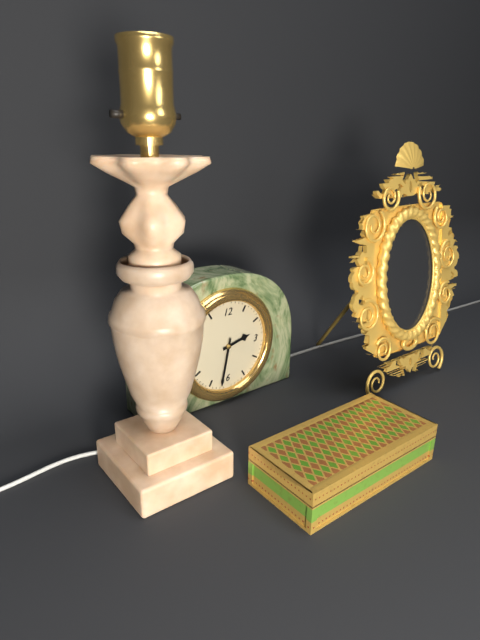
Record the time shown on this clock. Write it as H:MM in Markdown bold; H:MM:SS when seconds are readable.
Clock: **2:32**
